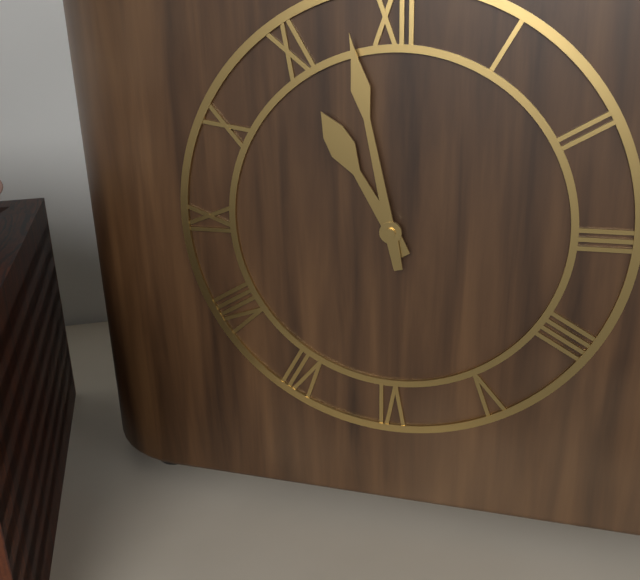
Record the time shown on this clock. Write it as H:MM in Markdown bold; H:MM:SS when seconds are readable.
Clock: **10:58**
